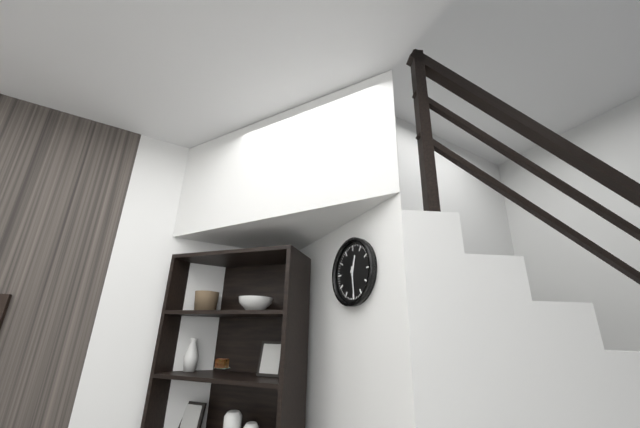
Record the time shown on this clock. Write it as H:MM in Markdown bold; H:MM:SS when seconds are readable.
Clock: **12:29**
